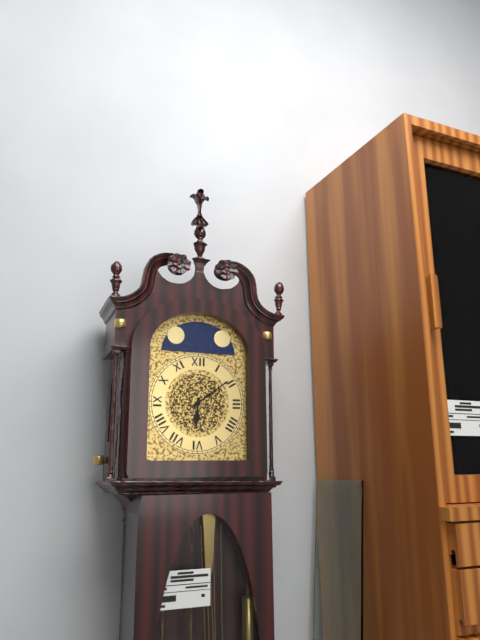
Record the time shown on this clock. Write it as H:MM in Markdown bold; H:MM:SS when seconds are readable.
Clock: **6:09**
